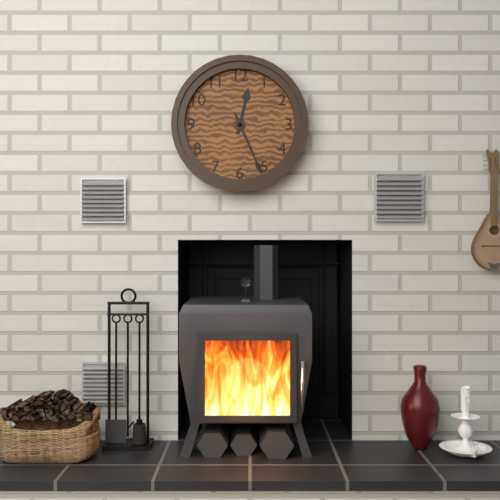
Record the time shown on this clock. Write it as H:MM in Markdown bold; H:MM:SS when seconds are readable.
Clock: **12:26**
